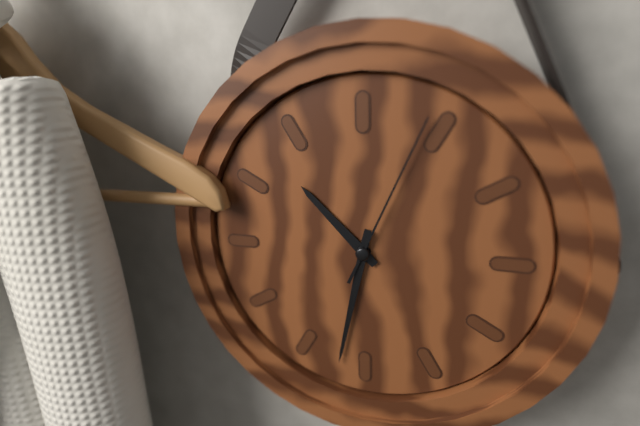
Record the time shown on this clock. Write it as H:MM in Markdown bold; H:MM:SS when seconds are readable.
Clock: **10:32:04**
